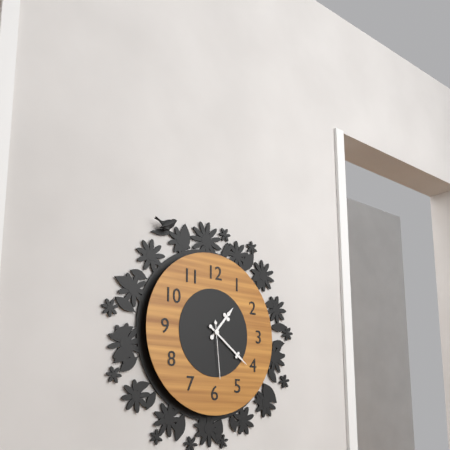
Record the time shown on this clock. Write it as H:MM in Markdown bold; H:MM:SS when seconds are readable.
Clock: **1:21:29**
